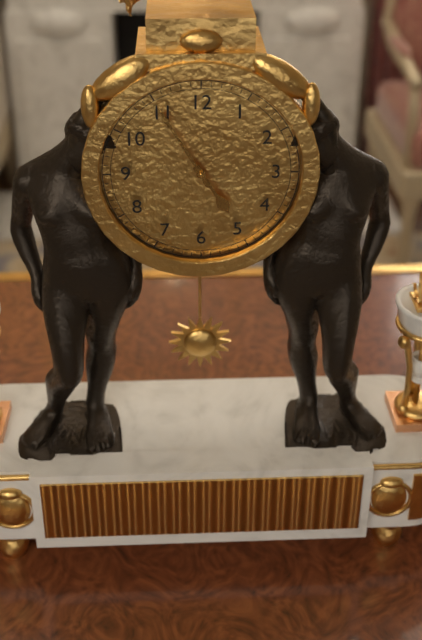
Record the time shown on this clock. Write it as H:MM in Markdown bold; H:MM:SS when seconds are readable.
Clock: **4:55**
